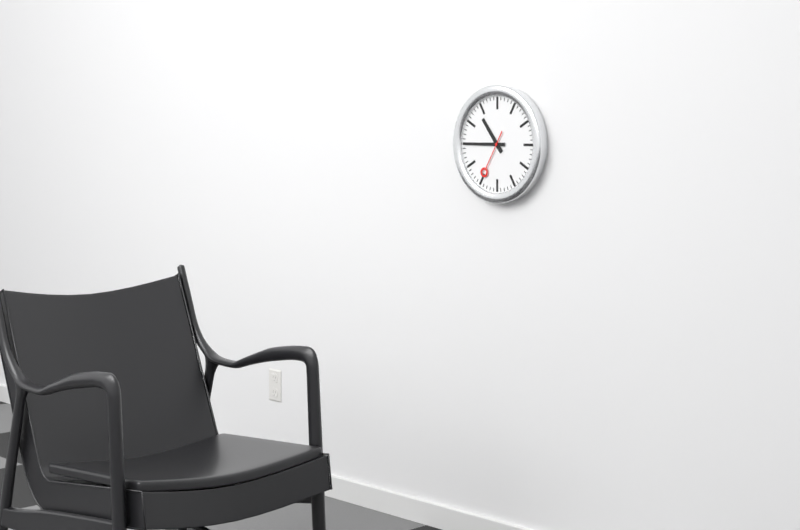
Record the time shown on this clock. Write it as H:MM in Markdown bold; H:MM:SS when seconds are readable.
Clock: **10:45**
